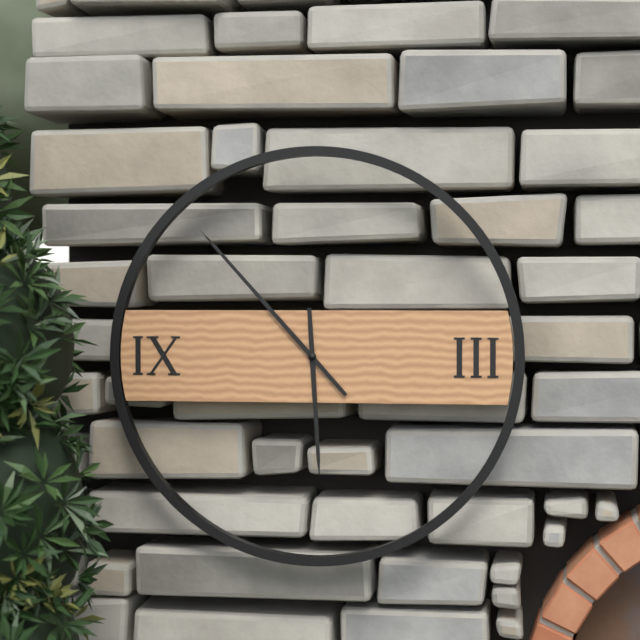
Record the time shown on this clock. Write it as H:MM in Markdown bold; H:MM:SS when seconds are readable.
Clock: **5:53**
